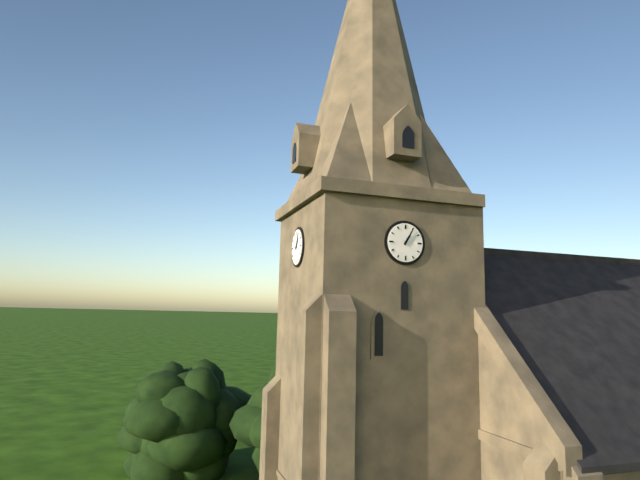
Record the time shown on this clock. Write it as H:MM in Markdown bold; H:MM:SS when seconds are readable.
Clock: **1:05**
